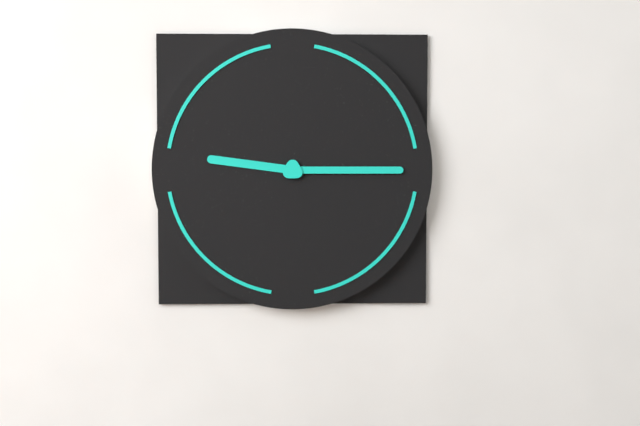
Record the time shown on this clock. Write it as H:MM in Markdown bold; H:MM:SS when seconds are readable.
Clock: **9:15**
